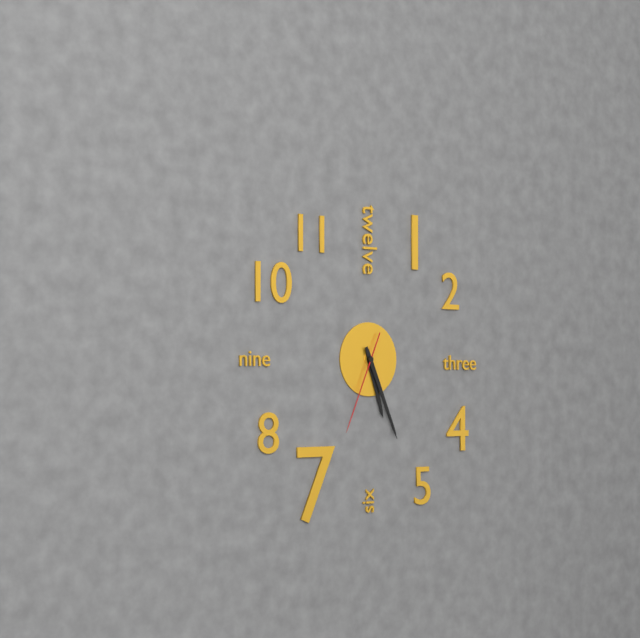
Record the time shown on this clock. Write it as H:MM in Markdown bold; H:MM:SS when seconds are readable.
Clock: **5:26:34**
